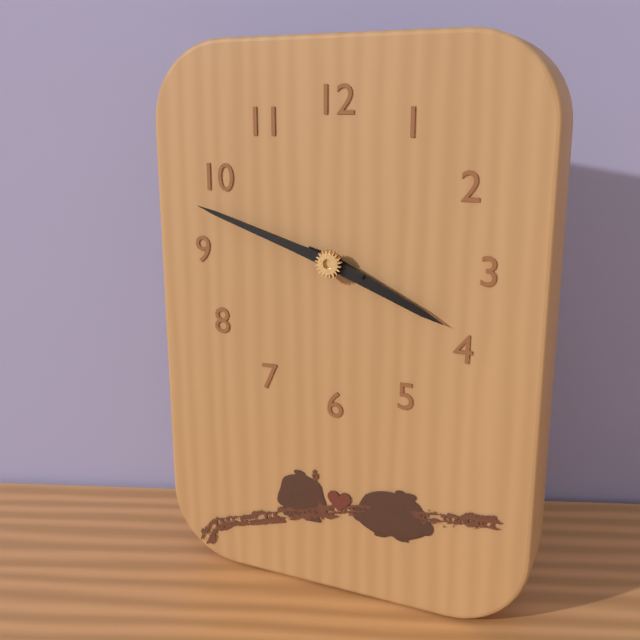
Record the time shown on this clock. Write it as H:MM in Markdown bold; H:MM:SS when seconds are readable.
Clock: **3:48**
